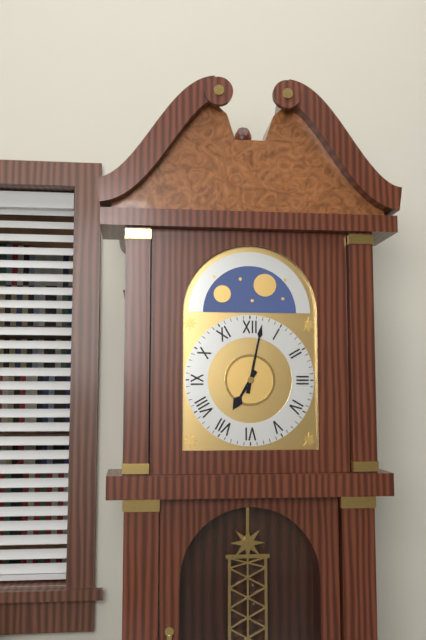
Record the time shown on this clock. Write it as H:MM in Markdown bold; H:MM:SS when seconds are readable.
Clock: **7:02**
